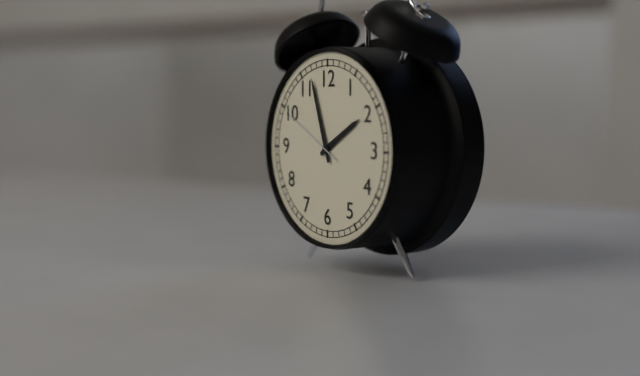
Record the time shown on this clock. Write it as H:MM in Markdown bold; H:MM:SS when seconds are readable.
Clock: **1:57:50**
